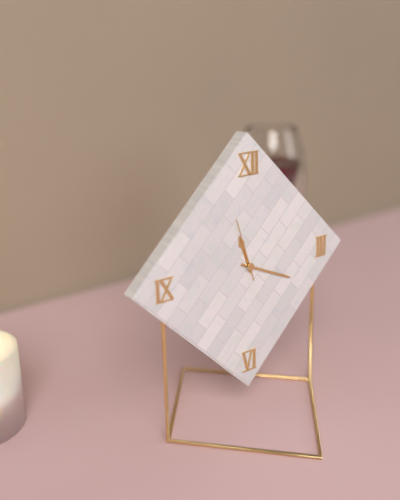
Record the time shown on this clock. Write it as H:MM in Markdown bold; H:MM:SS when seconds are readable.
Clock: **11:19:57**
